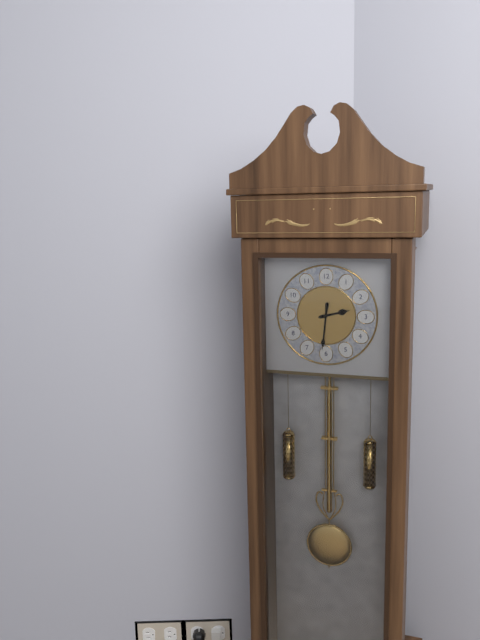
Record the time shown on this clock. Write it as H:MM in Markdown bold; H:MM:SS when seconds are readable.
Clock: **2:31**
